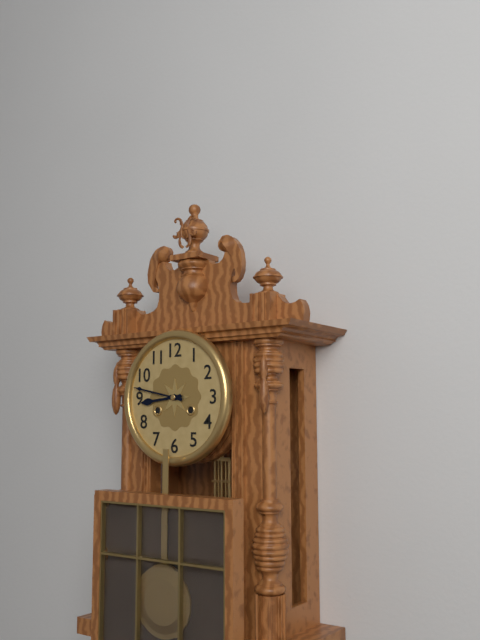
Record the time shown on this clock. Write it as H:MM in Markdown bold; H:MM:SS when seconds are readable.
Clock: **8:47**
